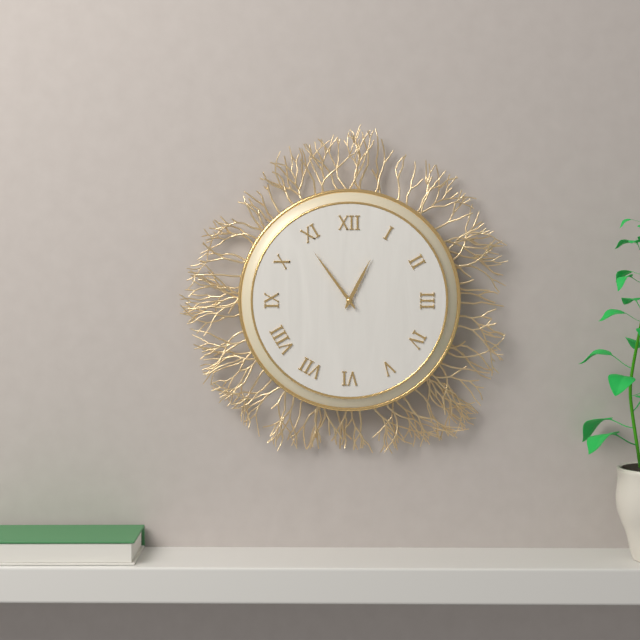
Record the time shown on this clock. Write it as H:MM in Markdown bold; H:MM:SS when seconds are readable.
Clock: **12:54**
